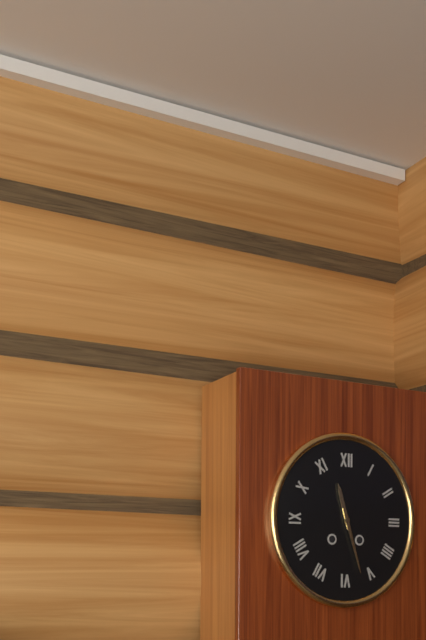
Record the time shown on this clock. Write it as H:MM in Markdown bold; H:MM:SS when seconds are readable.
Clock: **11:27**
